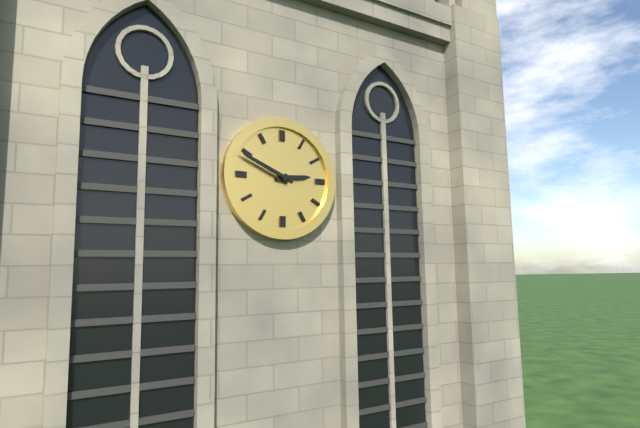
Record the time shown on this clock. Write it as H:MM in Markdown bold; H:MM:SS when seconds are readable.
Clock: **2:49**
